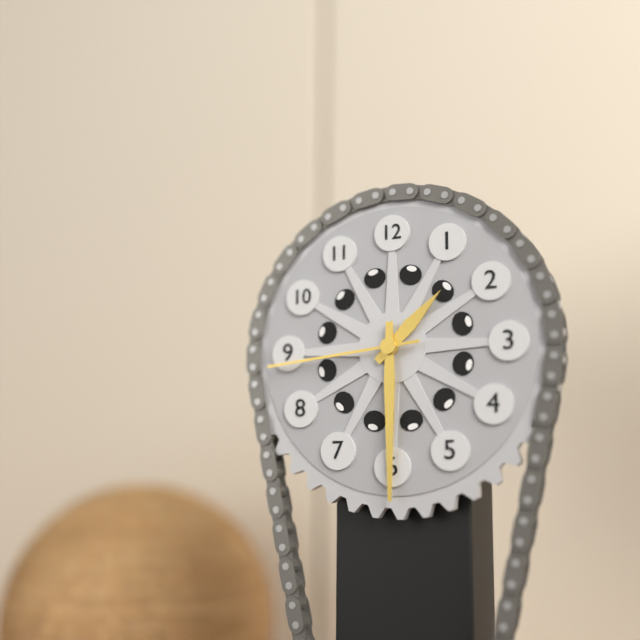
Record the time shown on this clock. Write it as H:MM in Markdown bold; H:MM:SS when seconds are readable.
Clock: **1:30:44**
